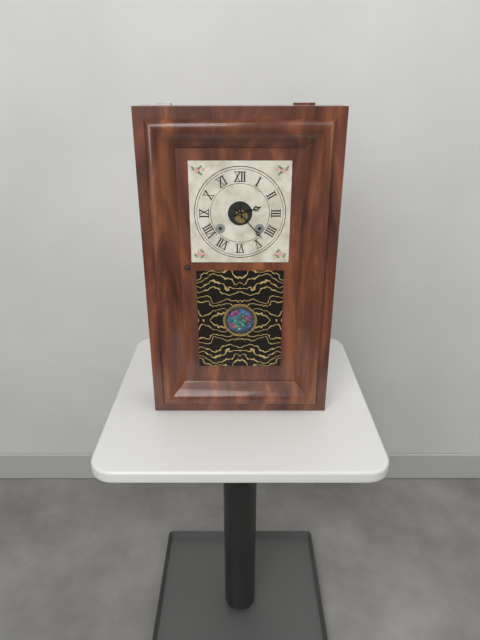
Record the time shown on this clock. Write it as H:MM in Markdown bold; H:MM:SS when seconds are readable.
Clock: **2:23**
